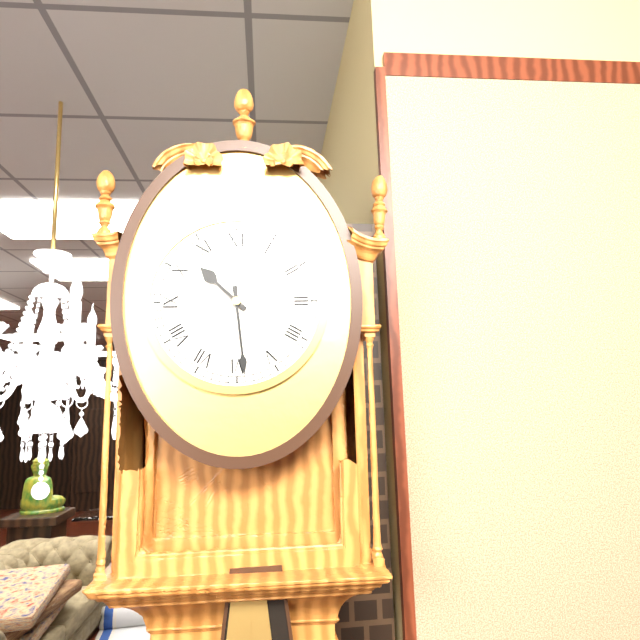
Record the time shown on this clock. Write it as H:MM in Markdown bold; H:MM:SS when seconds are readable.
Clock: **10:29**
